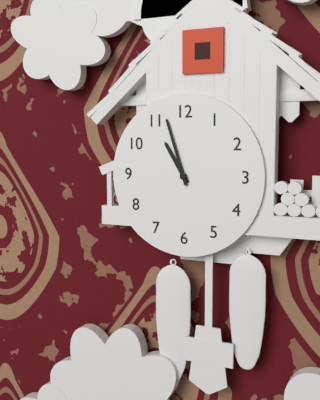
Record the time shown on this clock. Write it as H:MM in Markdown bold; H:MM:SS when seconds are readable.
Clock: **10:57**
